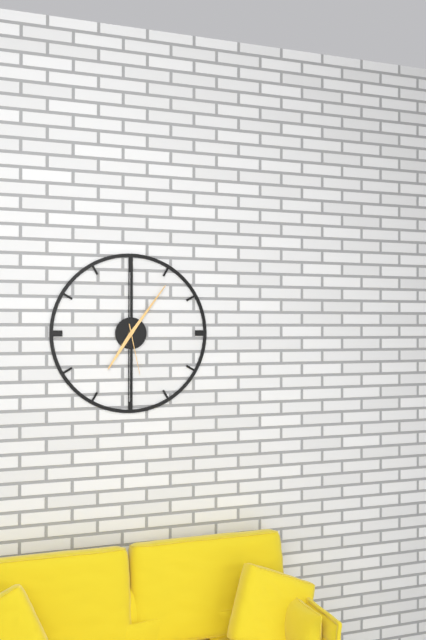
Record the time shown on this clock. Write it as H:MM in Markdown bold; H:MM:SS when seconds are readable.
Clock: **7:06:28**
